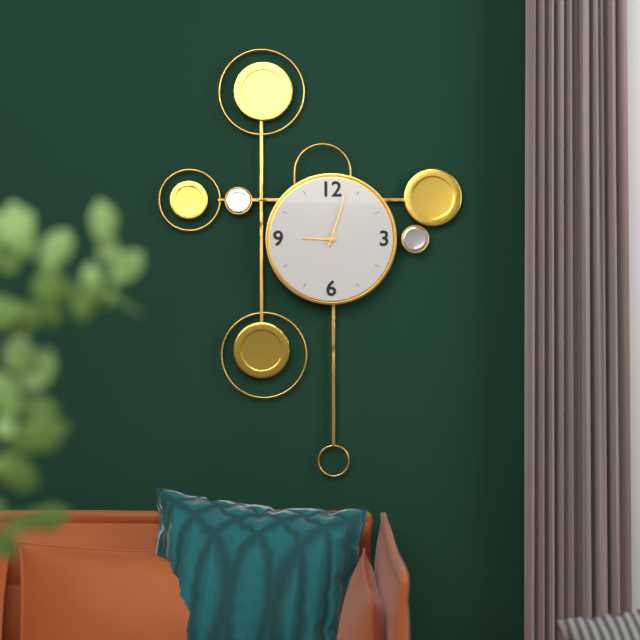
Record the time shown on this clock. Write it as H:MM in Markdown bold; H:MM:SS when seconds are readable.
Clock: **9:03**
